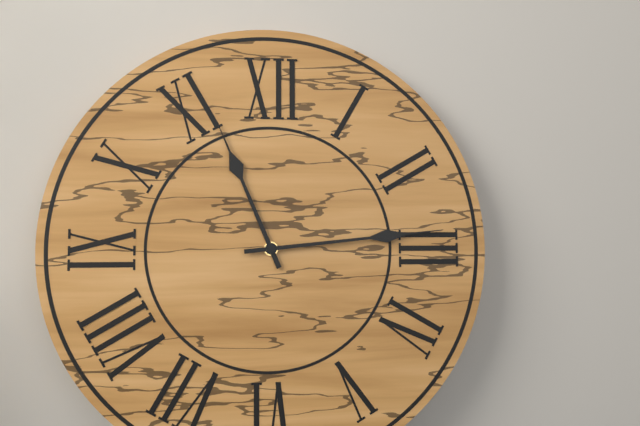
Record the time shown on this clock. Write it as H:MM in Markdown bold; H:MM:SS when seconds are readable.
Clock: **11:14**
